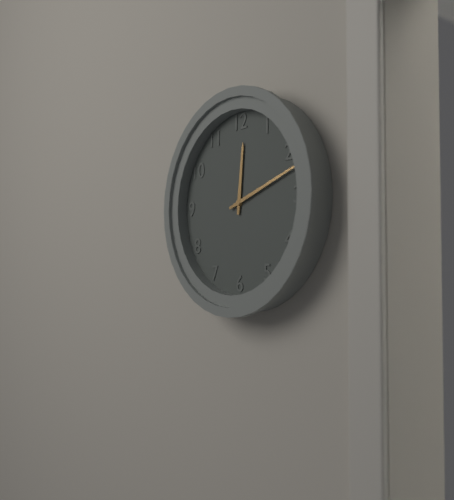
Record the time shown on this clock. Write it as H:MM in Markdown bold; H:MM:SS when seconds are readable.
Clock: **12:12**
